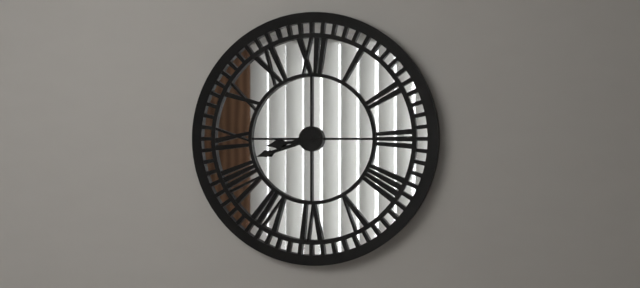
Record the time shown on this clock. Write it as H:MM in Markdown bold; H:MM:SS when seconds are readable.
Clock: **8:42**
